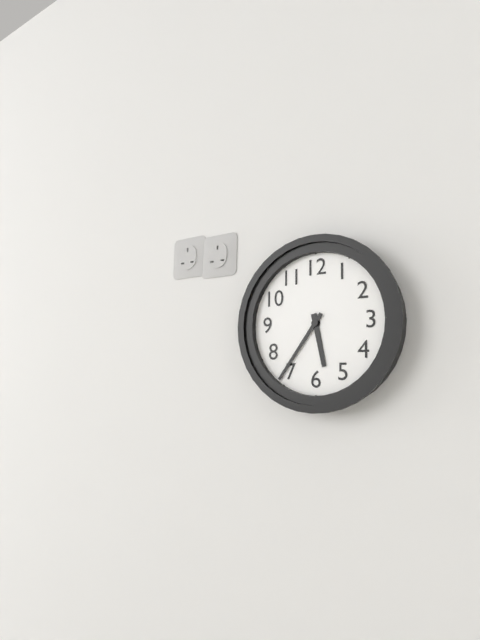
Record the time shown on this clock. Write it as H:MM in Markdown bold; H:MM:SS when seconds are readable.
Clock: **5:36**
